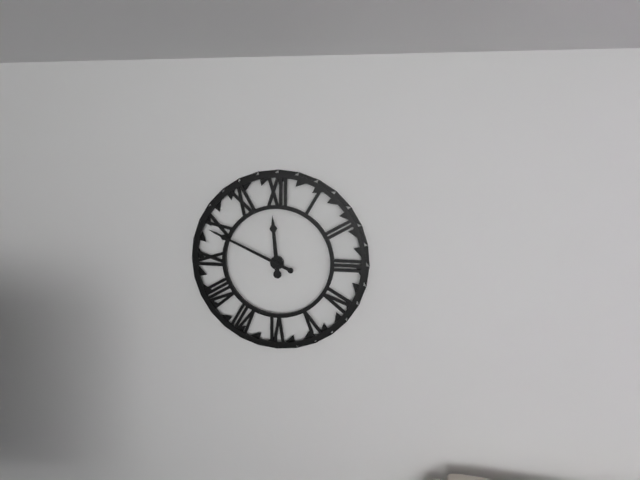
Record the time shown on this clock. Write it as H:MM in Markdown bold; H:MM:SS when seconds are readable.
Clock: **11:49**
